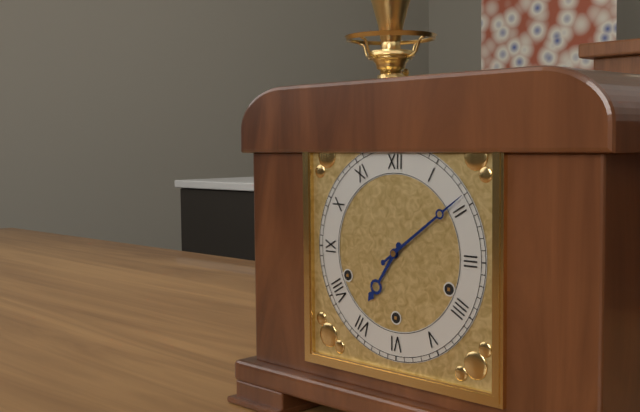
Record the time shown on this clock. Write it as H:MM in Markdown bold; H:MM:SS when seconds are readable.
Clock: **7:09**
